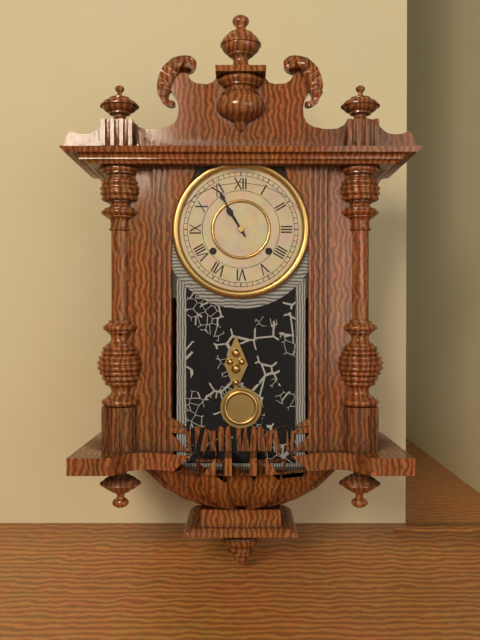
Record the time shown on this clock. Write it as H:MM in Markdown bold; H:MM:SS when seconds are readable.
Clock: **10:55**
